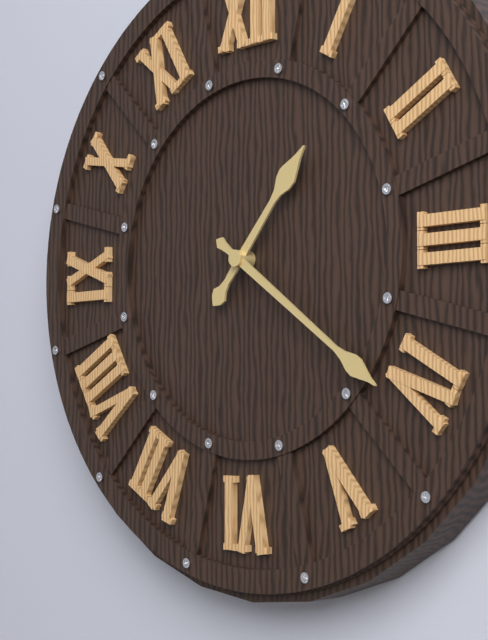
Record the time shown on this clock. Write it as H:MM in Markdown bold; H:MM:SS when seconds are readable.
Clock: **1:21**
